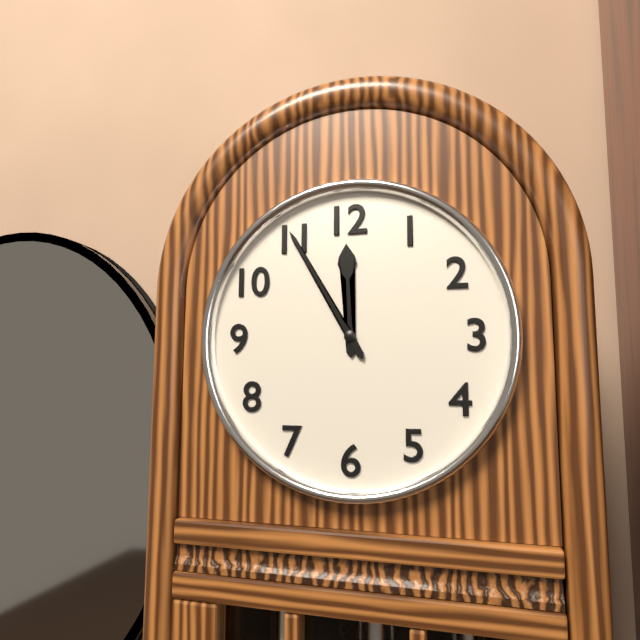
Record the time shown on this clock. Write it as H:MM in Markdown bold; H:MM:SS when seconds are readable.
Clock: **11:55**
